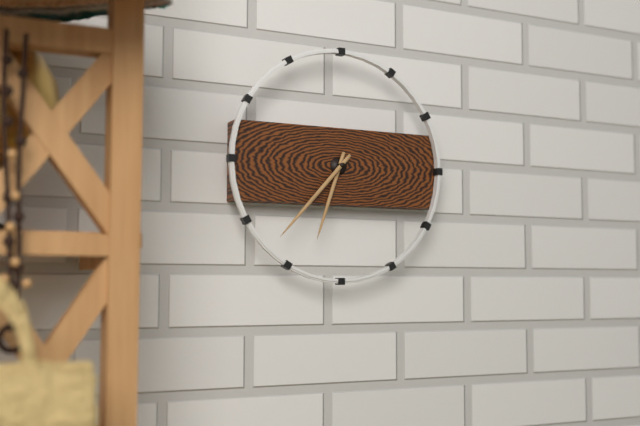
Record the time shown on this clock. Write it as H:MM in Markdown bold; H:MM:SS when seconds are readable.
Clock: **6:37**
